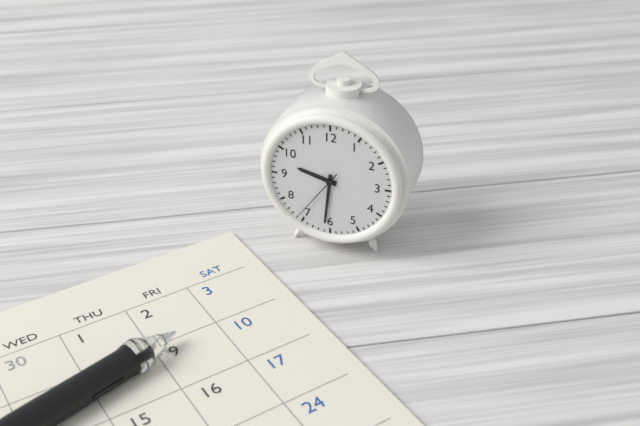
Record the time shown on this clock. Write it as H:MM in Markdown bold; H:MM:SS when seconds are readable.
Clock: **9:31:36**
